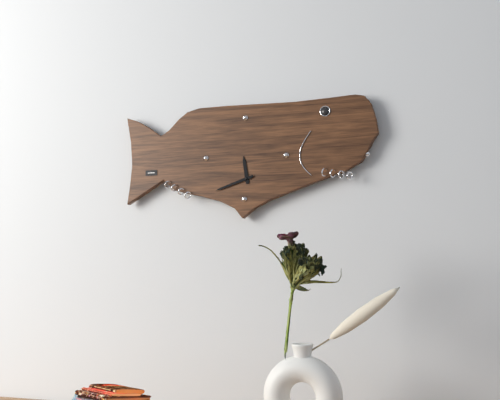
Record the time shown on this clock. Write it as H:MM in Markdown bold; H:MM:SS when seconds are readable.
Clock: **11:42**
